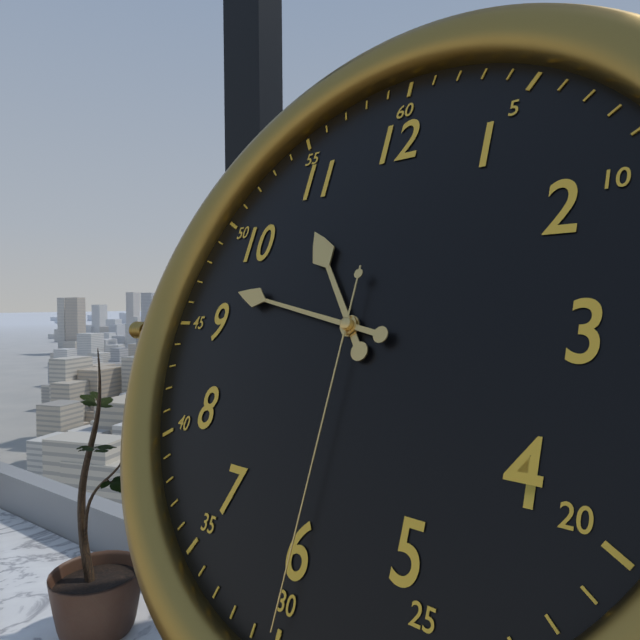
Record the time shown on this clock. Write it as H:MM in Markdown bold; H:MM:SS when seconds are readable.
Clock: **10:47:30**
